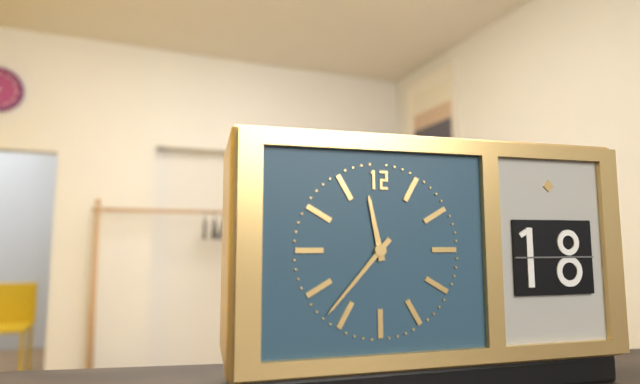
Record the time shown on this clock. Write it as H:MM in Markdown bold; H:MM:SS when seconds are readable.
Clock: **11:37**
